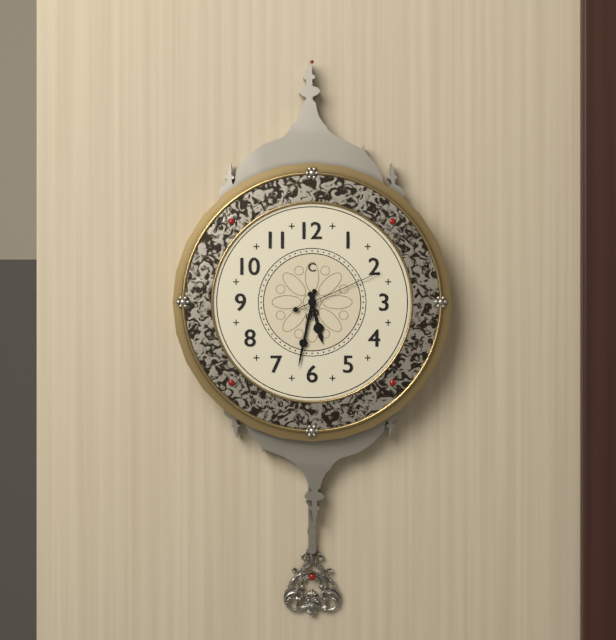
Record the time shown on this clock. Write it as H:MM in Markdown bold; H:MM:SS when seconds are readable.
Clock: **5:32:11**
